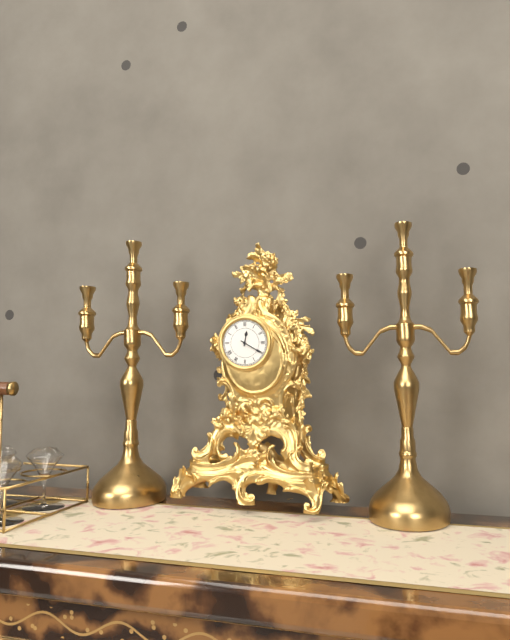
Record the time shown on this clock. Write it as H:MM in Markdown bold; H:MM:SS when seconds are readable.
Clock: **12:20**
